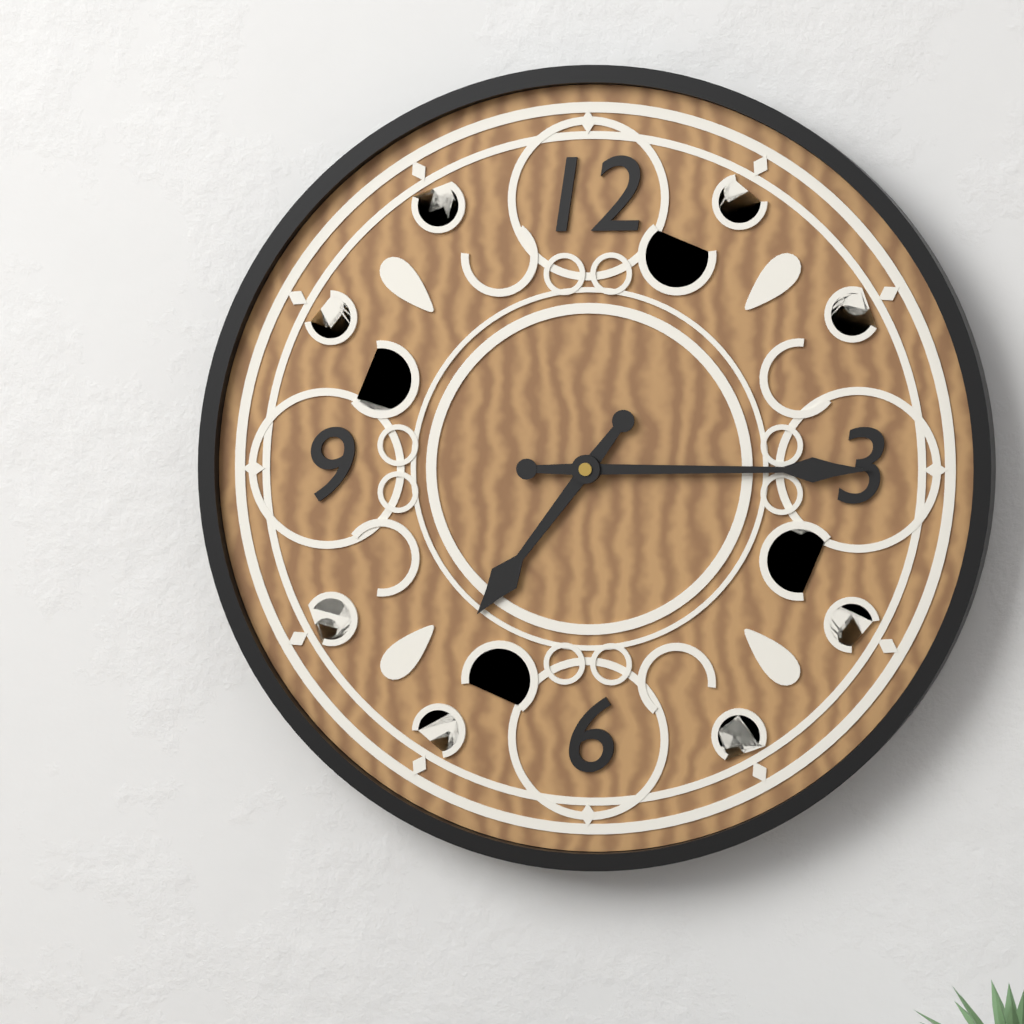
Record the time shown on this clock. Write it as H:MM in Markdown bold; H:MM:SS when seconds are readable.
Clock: **7:15**
